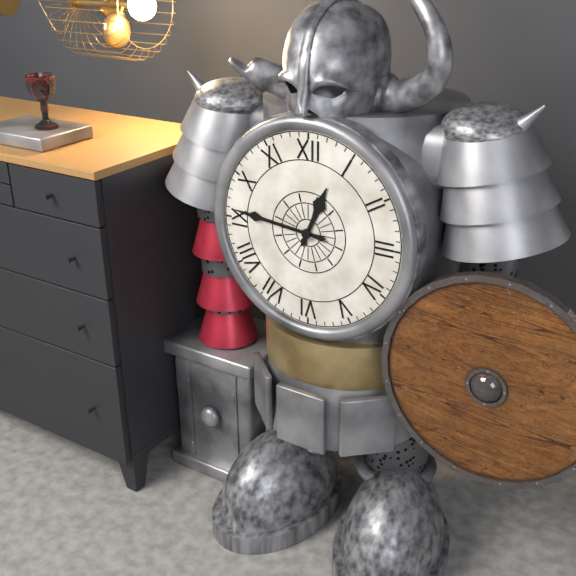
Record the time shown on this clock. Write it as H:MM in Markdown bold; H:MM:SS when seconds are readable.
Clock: **12:46**
